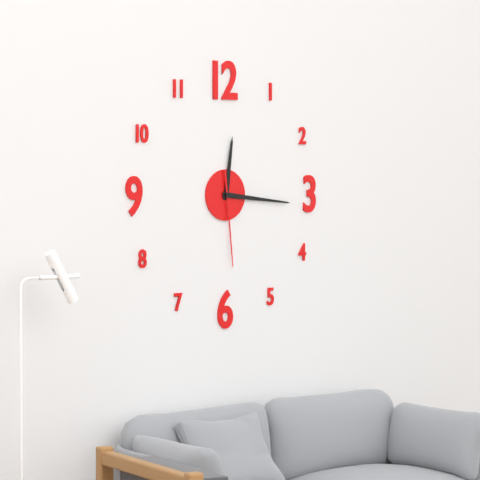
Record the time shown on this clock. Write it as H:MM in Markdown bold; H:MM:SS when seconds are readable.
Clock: **12:16:29**
